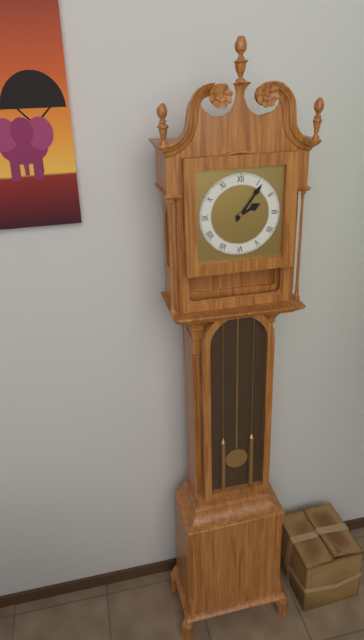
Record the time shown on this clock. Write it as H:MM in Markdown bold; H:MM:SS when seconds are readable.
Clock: **2:06**
